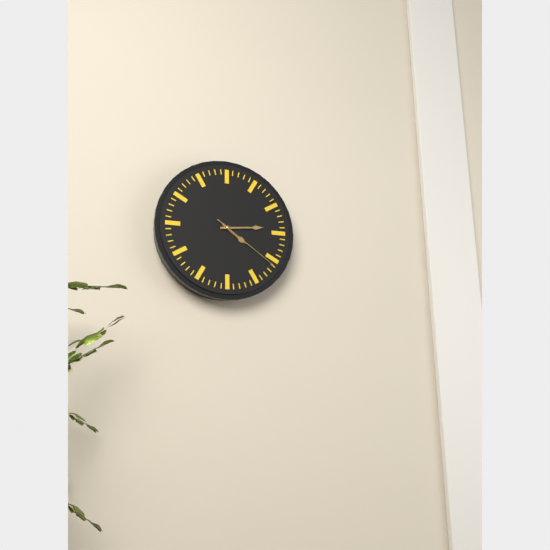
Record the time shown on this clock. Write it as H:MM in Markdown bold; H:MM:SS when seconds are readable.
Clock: **4:14:21**
